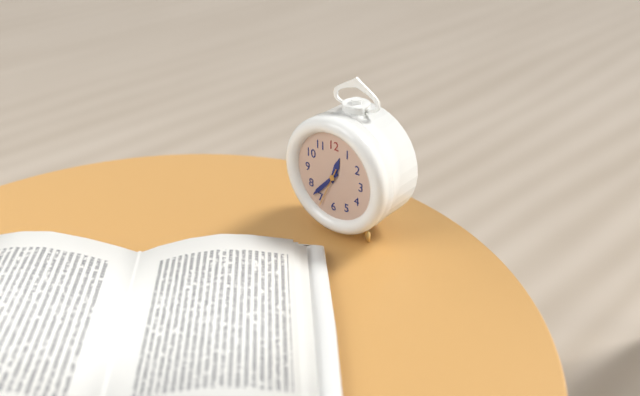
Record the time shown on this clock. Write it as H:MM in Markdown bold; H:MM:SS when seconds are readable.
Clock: **12:37**
